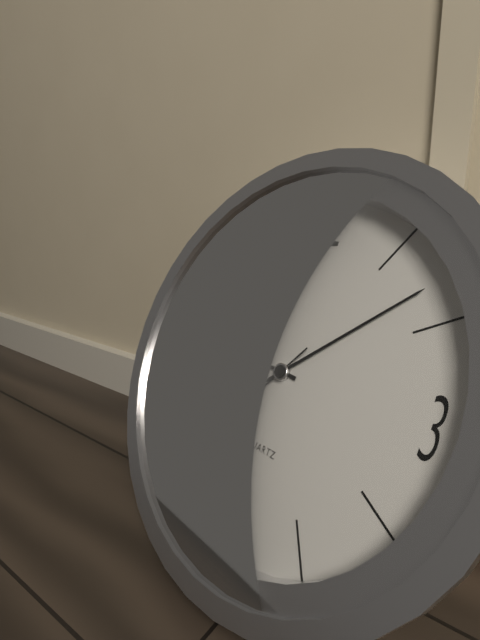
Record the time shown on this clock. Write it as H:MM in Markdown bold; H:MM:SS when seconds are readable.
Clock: **9:08:36**
